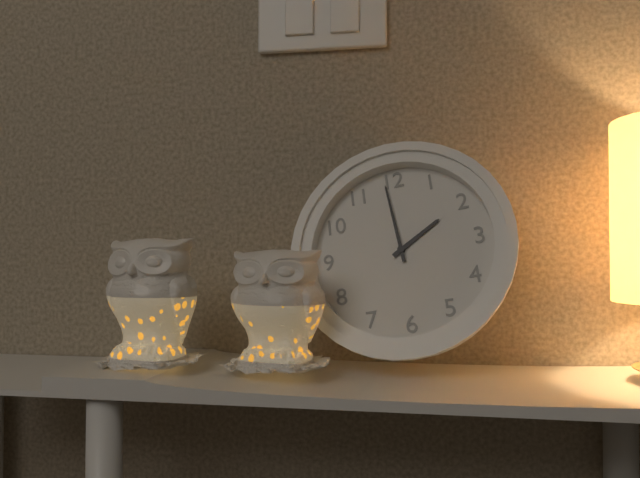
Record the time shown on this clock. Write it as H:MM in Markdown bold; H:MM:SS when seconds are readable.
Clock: **1:59**
